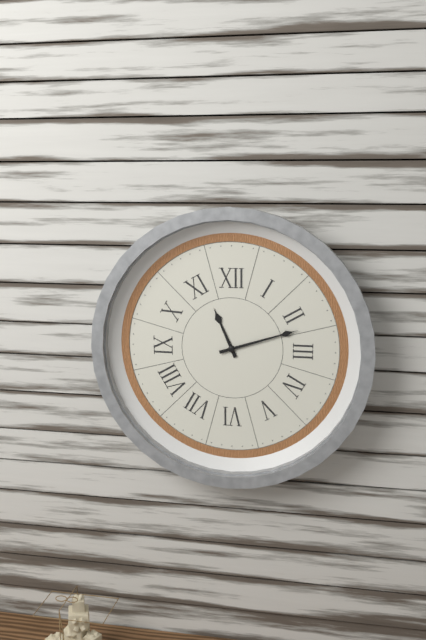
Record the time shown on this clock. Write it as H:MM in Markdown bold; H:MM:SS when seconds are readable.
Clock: **11:12**
